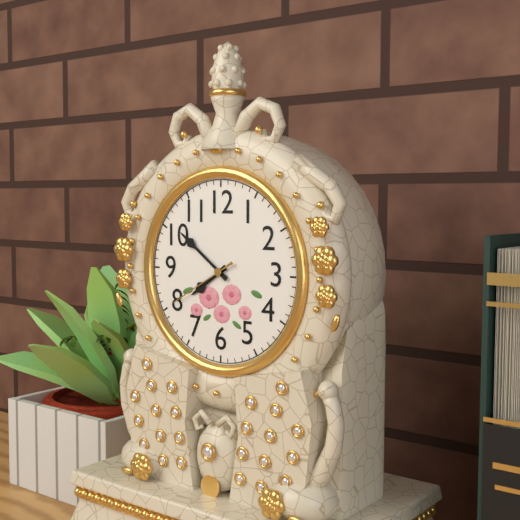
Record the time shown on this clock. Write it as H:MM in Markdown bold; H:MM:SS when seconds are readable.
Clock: **7:51:40**
